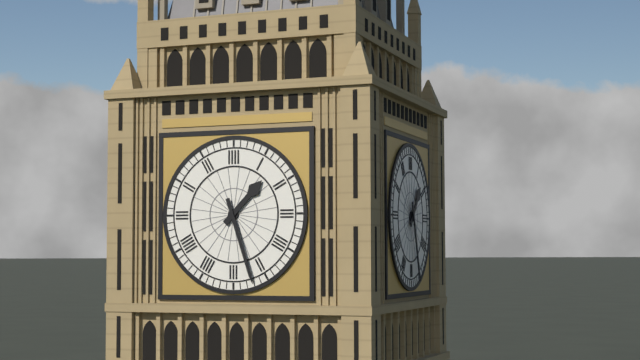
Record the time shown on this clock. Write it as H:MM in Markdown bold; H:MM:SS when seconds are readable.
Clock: **1:27**
